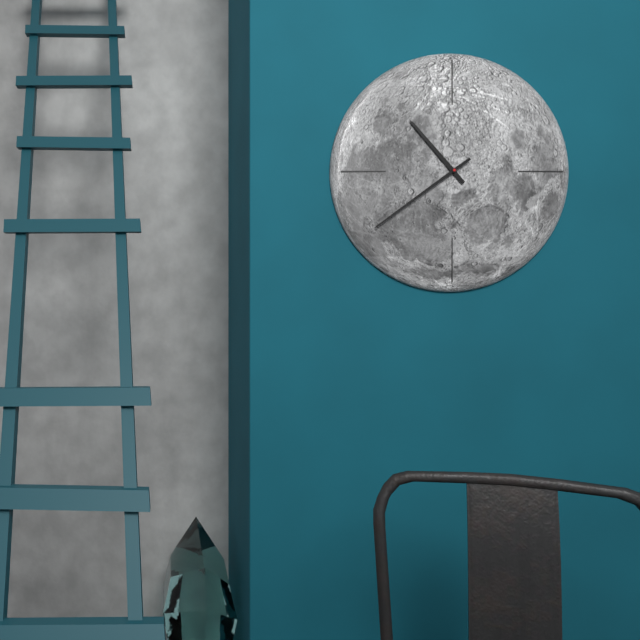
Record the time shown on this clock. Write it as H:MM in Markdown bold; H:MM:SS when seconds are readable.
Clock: **10:39**
